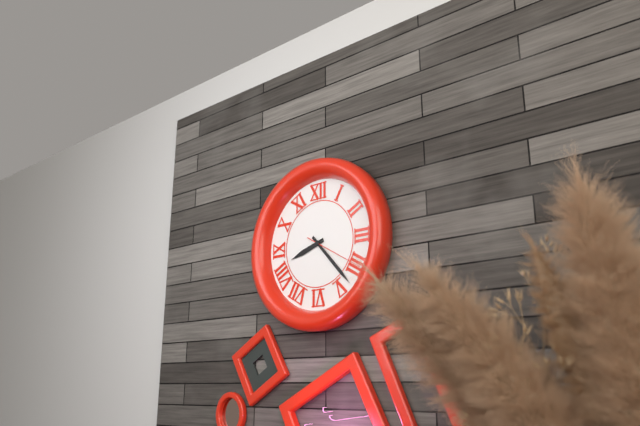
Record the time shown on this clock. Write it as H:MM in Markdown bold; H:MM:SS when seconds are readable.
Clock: **8:23:20**
